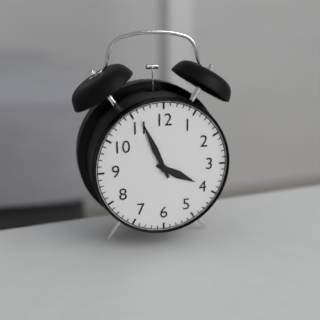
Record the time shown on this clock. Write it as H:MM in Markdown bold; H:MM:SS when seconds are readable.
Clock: **3:56**
